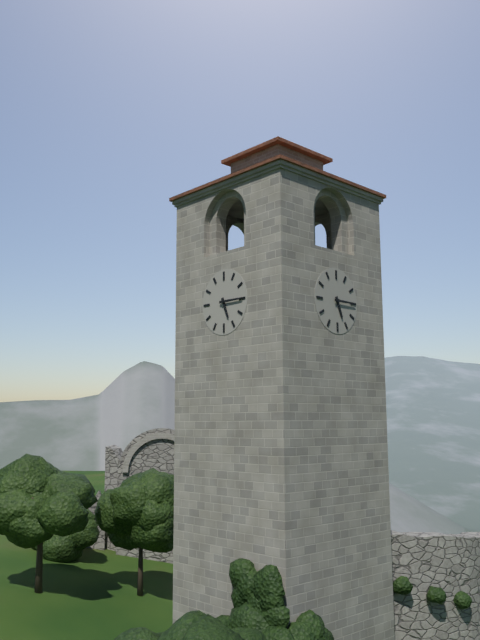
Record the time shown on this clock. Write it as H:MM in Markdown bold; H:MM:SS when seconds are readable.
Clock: **5:15**
